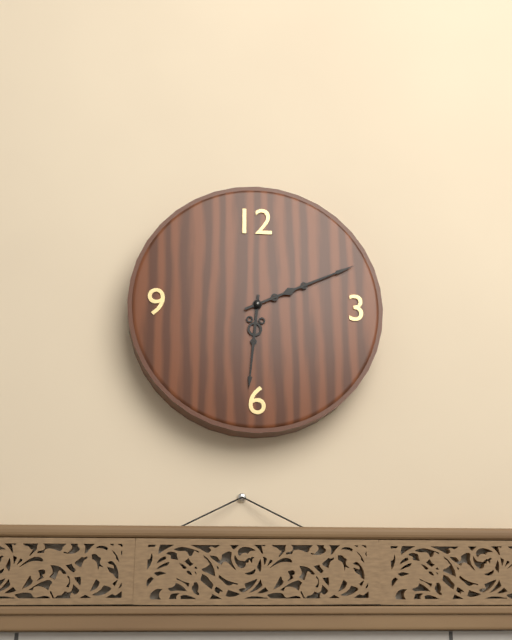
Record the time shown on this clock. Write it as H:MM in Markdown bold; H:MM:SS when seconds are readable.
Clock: **6:11**
